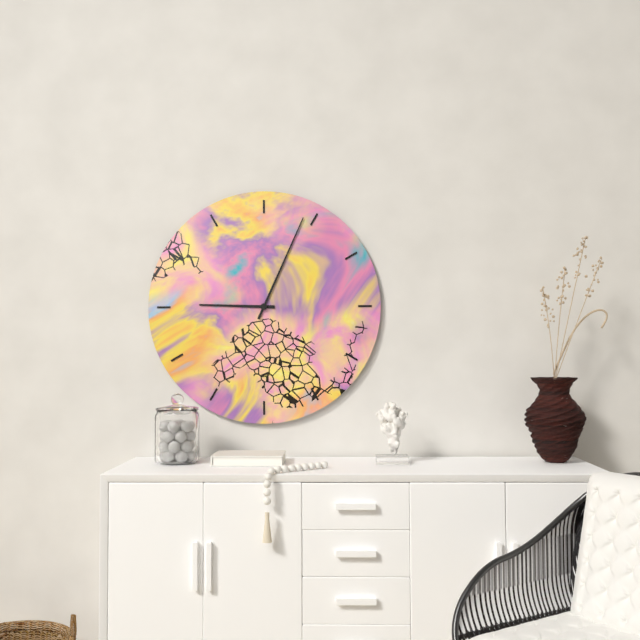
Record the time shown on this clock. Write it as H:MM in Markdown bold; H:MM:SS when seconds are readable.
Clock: **9:04**
